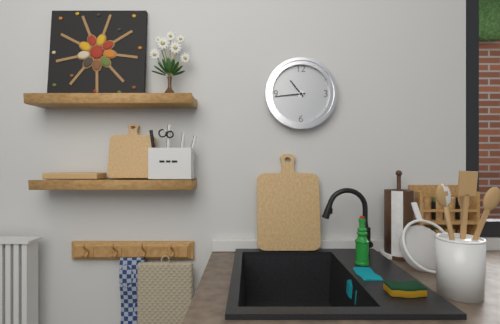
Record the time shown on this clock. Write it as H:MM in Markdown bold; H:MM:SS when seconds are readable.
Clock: **10:44**
